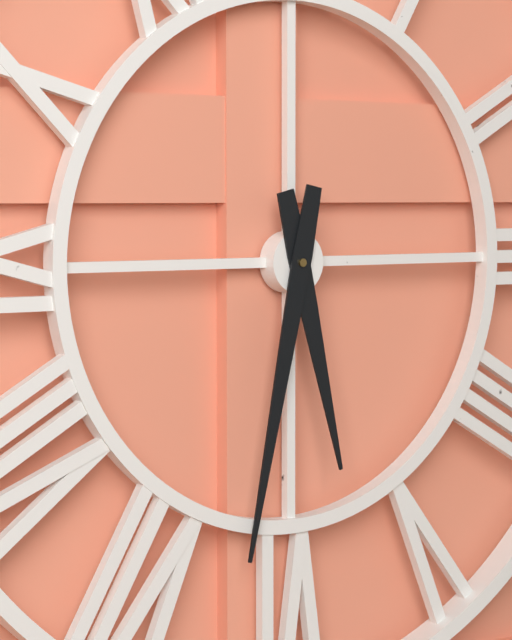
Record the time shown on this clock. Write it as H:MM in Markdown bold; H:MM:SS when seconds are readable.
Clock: **5:32**
